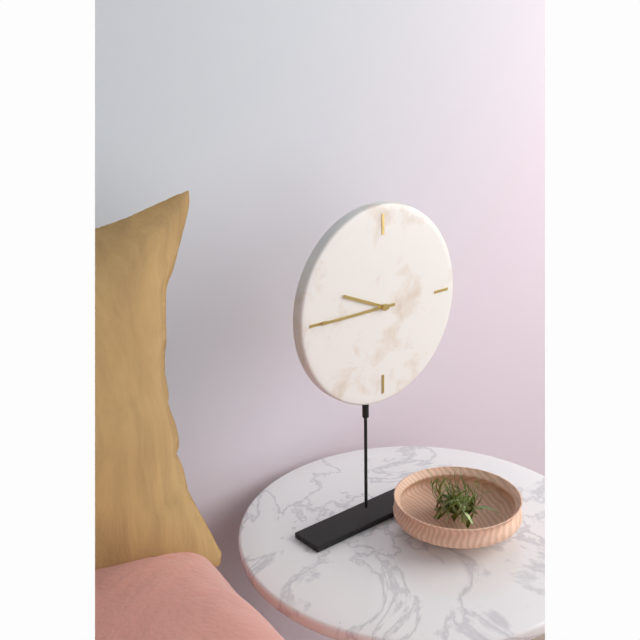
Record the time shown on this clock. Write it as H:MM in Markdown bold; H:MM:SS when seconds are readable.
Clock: **9:45**
